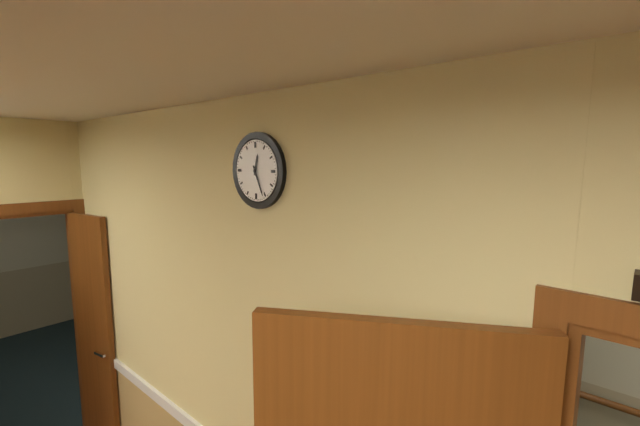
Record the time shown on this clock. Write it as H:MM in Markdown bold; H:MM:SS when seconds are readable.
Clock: **12:26**
